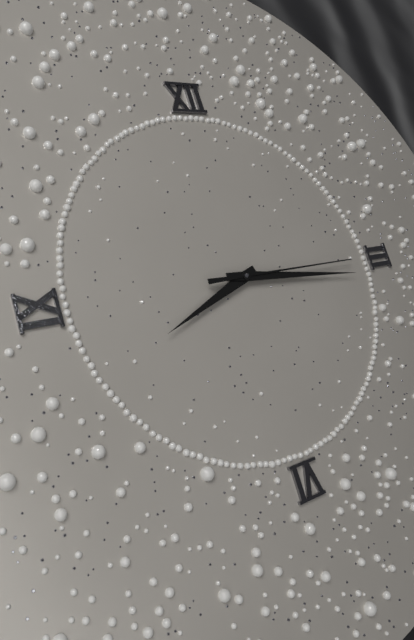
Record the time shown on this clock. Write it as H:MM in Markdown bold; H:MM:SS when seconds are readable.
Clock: **8:16:15**
